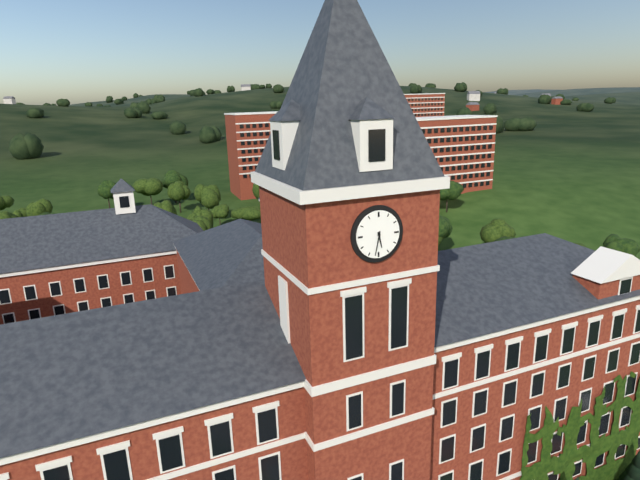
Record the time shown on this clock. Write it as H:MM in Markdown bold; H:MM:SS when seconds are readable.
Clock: **5:32**
